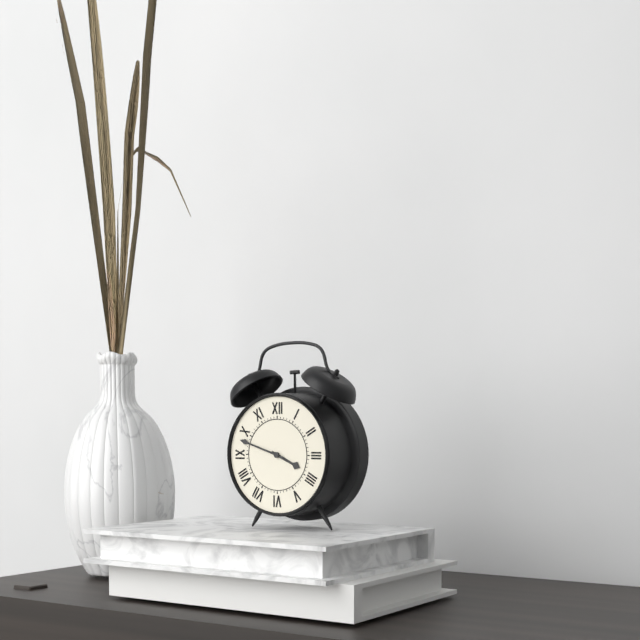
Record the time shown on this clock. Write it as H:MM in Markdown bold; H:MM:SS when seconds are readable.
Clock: **3:48**
